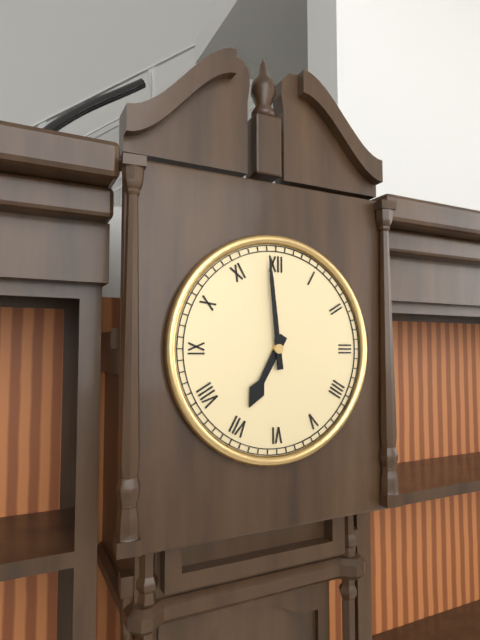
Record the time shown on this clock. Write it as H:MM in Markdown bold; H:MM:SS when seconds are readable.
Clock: **6:59**
